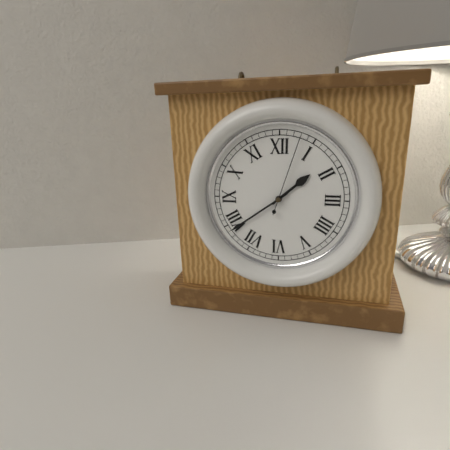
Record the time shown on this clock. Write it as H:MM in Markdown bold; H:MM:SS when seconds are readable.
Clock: **1:39:03**
